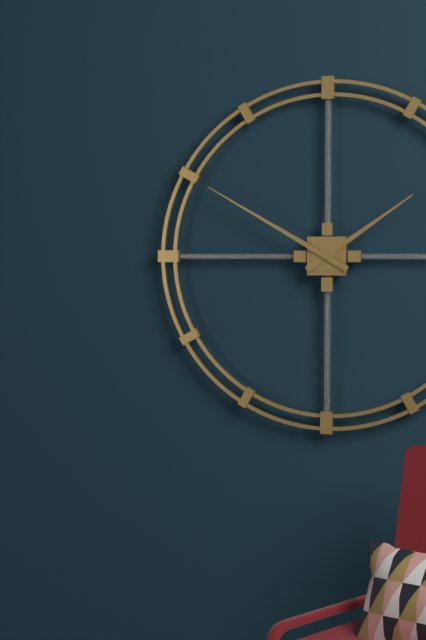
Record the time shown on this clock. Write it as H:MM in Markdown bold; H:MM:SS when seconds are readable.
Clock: **1:50**
